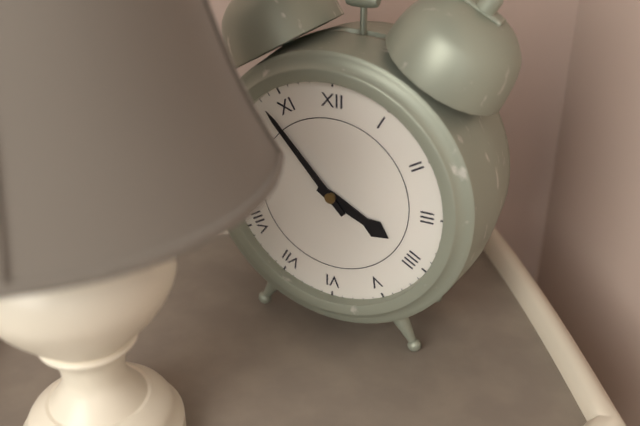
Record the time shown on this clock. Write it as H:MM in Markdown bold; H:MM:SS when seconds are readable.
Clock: **3:53**
